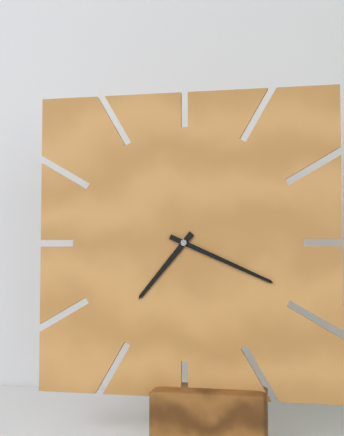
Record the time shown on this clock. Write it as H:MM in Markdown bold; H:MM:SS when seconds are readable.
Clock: **7:19**
